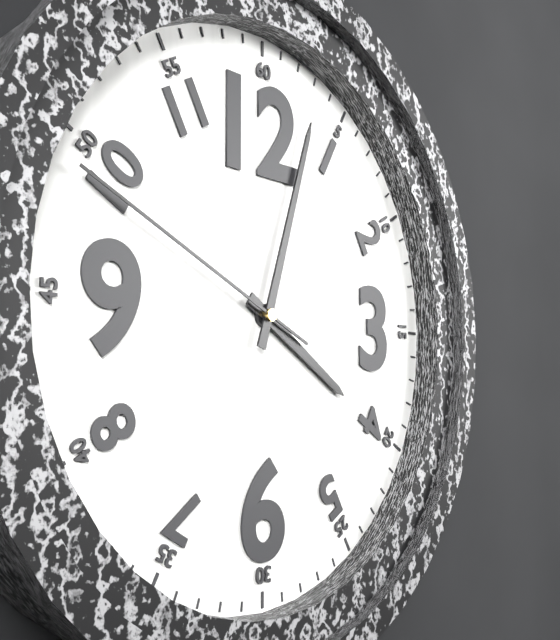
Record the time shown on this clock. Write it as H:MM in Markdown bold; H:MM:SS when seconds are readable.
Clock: **4:03:49**
